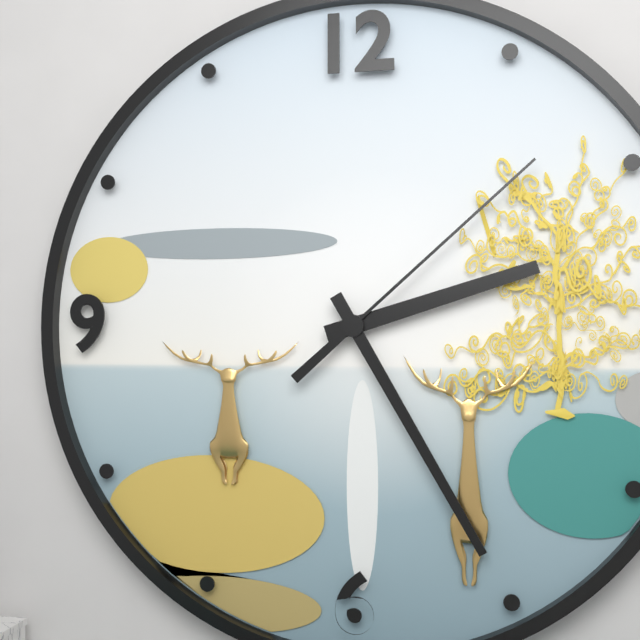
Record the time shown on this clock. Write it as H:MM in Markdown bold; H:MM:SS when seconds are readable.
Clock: **2:25:08**
